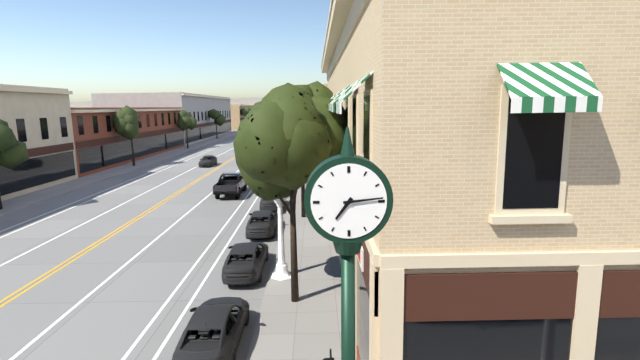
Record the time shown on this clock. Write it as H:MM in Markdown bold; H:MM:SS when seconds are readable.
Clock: **7:14**
